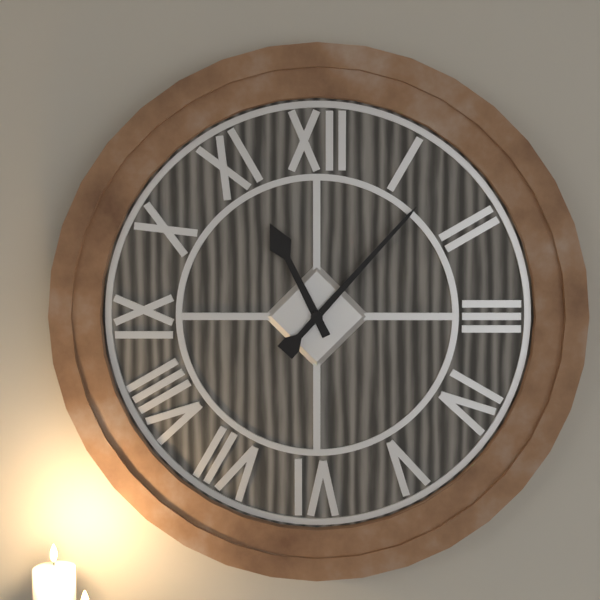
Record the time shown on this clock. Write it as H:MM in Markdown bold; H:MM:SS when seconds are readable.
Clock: **11:07**
